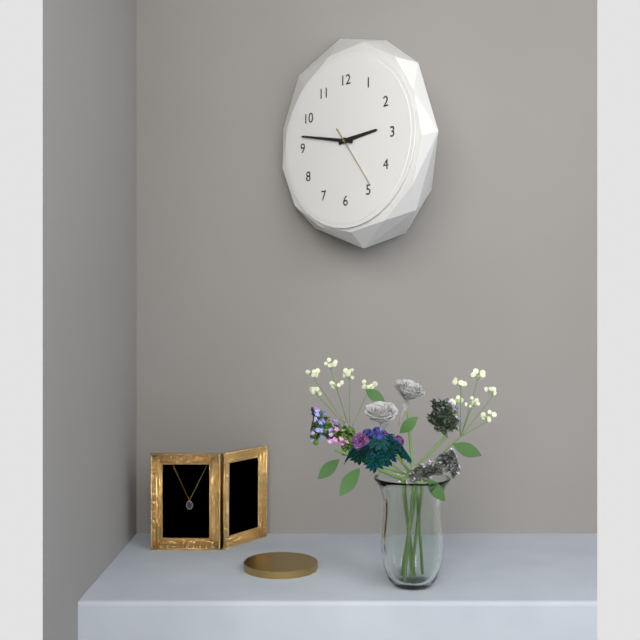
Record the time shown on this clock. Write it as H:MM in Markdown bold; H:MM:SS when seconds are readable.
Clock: **2:47:24**
